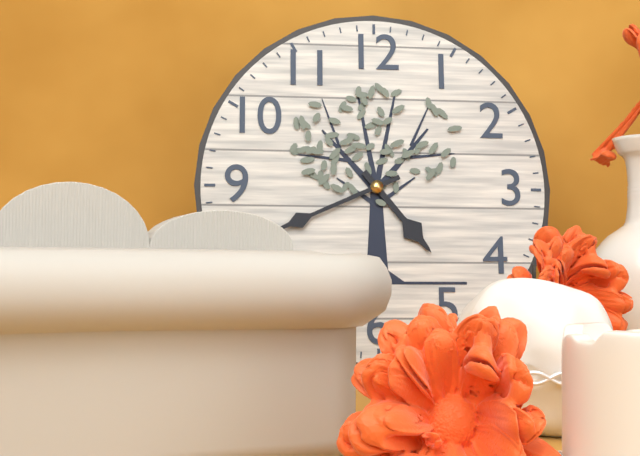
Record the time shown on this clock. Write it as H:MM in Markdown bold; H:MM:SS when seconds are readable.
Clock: **4:41**
